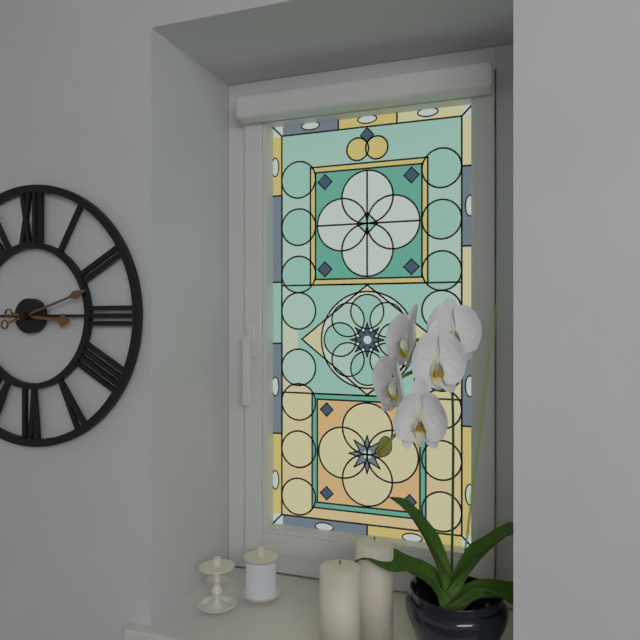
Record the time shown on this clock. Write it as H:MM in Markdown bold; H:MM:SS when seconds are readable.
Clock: **3:12**
